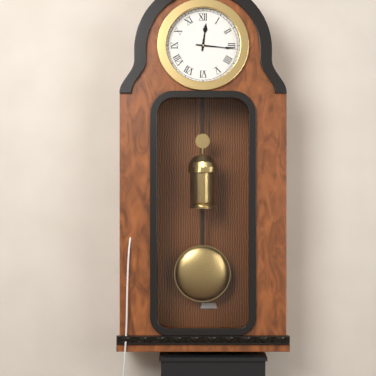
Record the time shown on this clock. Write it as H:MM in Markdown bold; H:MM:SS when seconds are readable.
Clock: **12:16**
